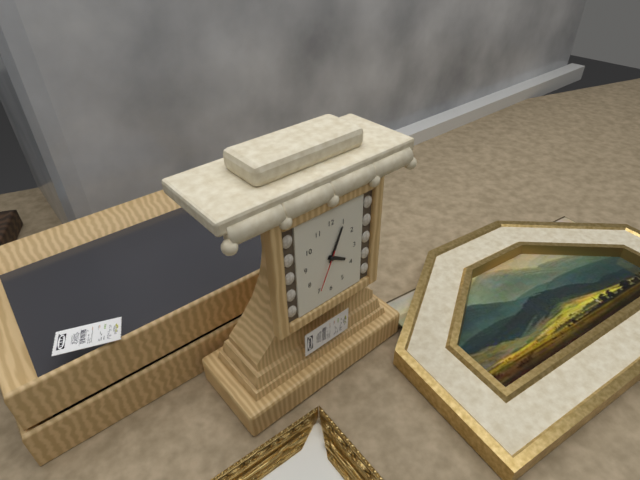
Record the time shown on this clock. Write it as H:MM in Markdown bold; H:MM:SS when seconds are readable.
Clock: **4:04**
